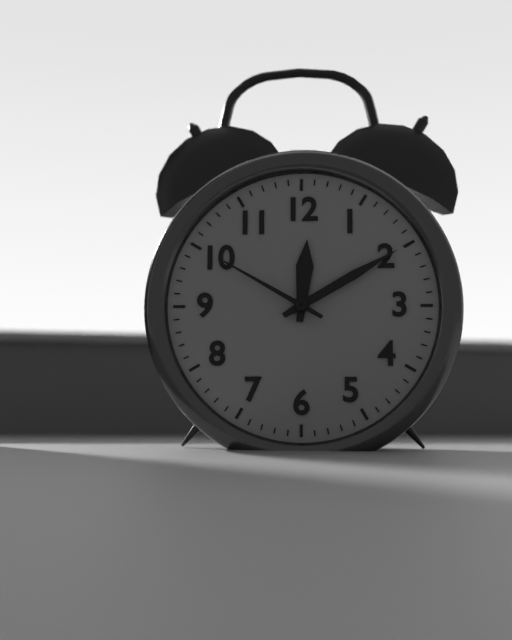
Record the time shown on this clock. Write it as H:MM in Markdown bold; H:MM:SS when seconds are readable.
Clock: **12:10:50**
